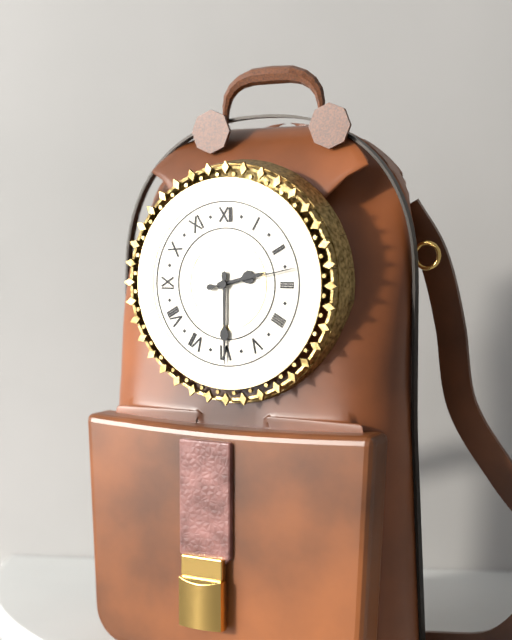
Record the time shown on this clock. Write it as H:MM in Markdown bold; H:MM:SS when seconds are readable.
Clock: **2:30:13**
